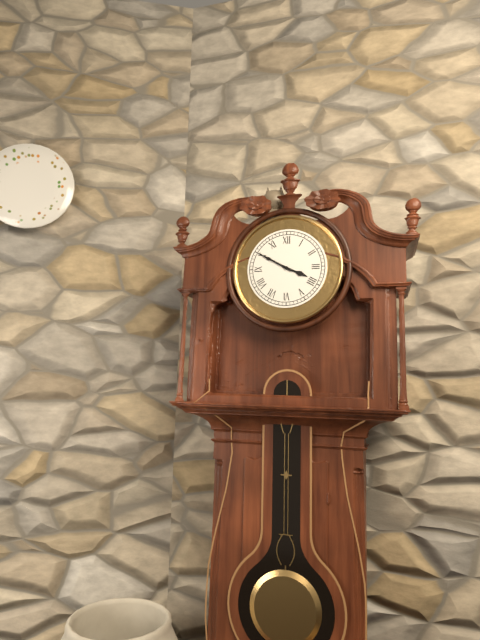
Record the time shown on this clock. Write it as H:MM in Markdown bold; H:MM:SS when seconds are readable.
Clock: **3:50**
